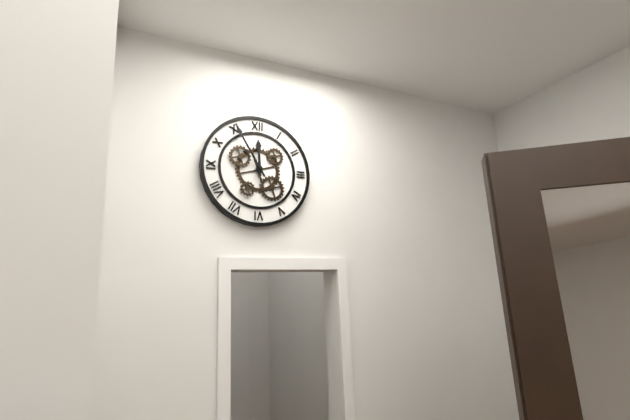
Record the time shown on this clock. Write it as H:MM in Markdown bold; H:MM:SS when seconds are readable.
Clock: **11:55**
